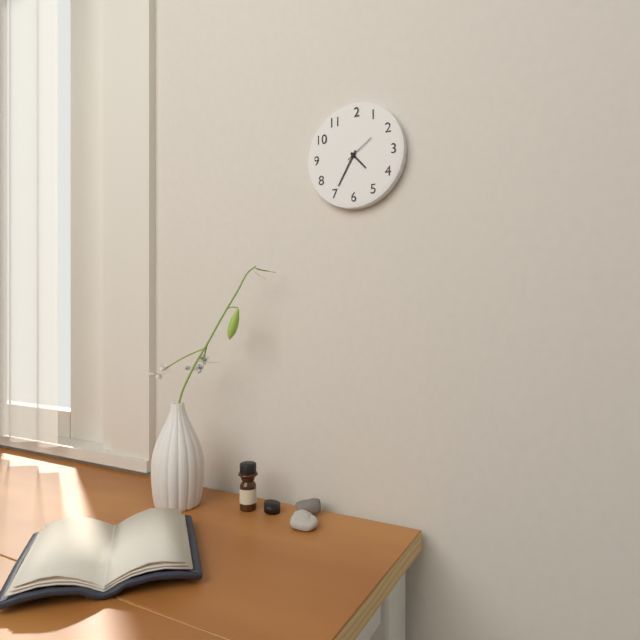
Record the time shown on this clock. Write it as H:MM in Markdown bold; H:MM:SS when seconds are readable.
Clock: **4:35**
